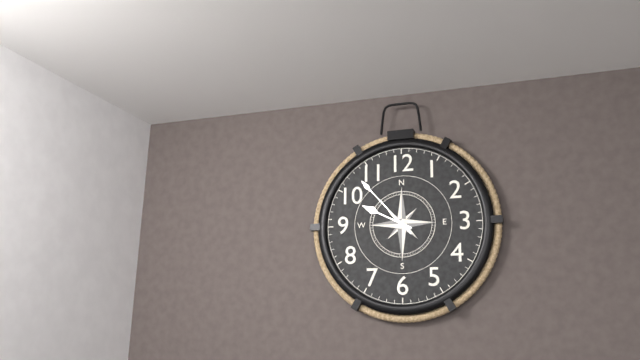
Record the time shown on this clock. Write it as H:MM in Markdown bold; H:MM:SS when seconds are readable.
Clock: **9:53**
